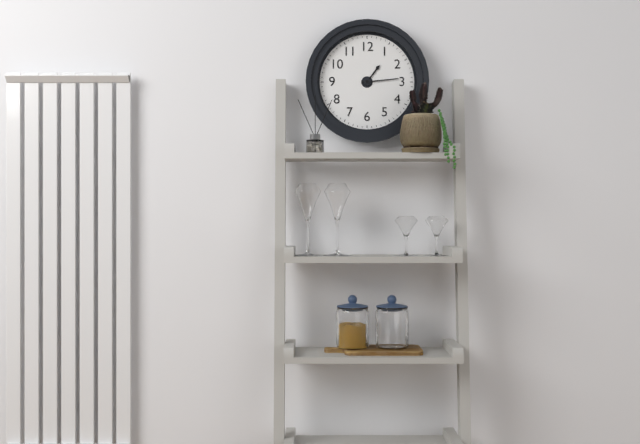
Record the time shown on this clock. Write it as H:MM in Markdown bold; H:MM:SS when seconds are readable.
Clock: **1:14**
